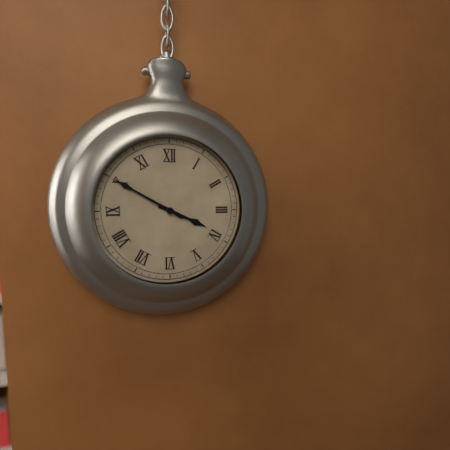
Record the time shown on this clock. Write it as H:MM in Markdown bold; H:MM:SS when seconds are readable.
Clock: **3:50**
